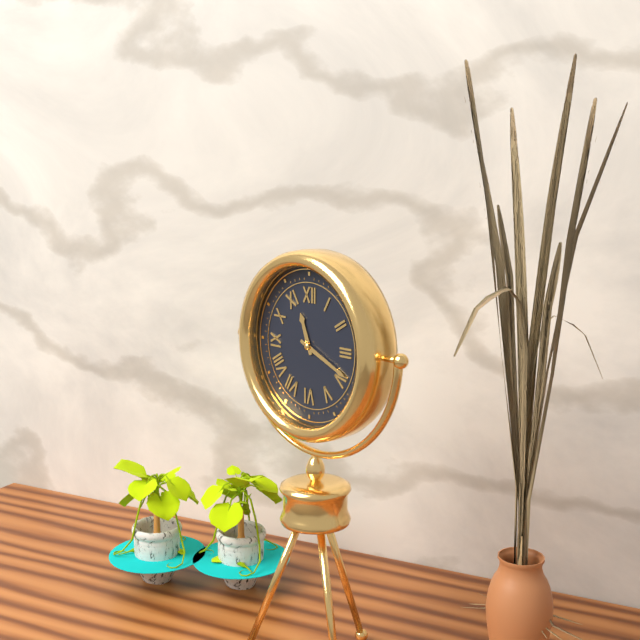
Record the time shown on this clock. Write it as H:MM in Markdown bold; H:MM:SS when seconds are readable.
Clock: **11:19**
